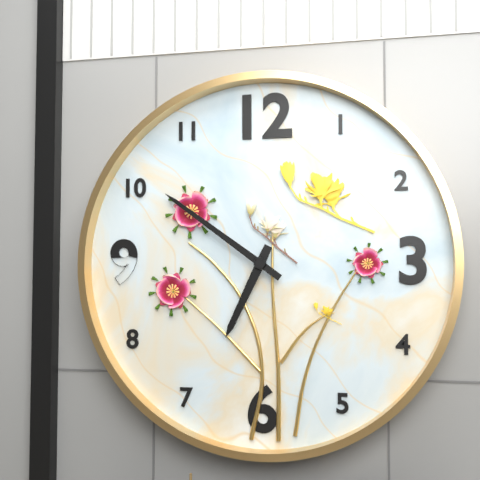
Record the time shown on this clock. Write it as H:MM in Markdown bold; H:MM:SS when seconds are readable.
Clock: **6:51**
